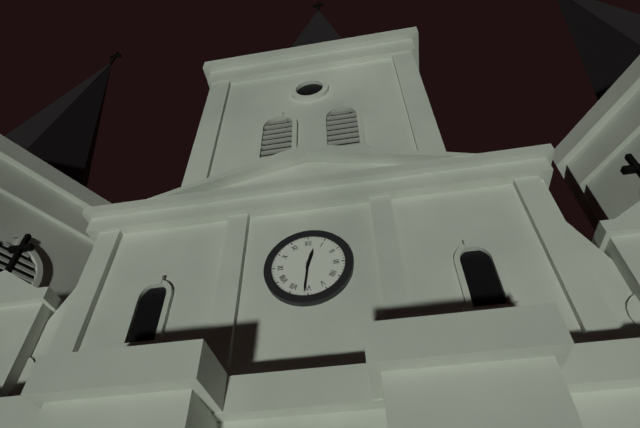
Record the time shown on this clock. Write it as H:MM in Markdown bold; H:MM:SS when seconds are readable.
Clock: **12:31**
